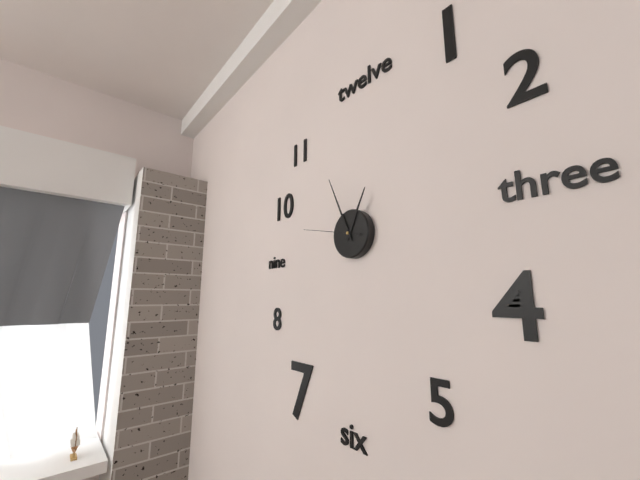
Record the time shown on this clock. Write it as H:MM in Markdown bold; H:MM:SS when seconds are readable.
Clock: **12:56:47**
